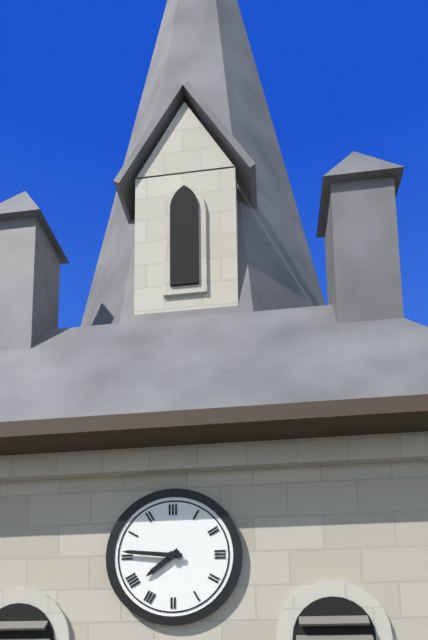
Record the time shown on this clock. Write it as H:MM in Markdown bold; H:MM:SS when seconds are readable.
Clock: **7:46**
